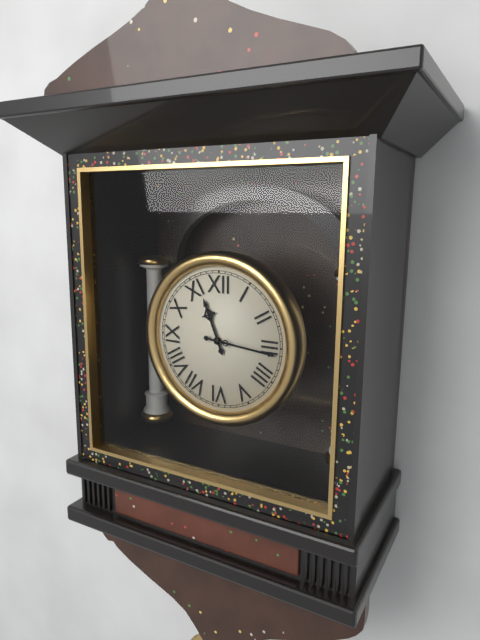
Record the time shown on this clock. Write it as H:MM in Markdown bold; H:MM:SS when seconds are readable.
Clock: **11:16**
